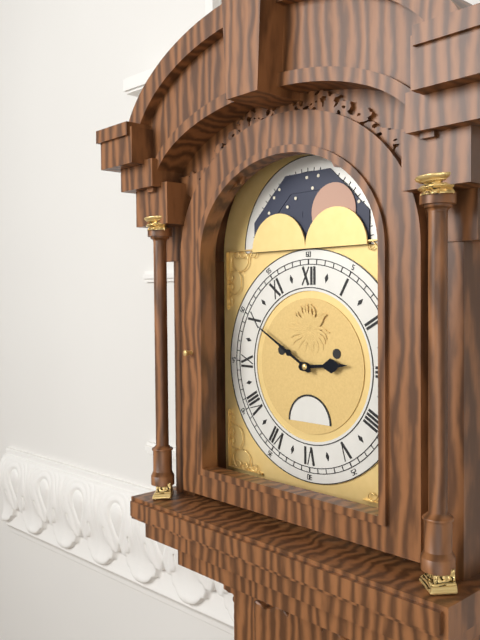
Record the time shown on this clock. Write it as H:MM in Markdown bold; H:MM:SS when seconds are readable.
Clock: **2:50**
